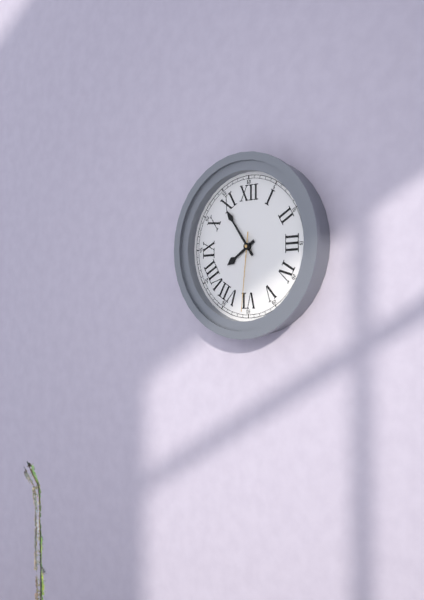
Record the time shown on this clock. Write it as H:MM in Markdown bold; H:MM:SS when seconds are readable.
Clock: **7:54:31**
